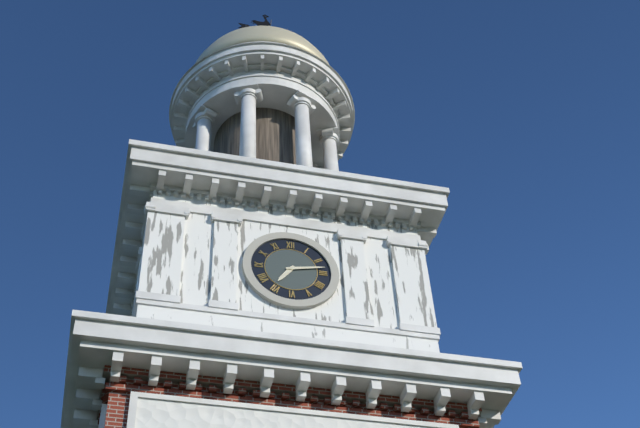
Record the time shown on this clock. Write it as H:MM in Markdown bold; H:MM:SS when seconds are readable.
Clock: **7:13**
